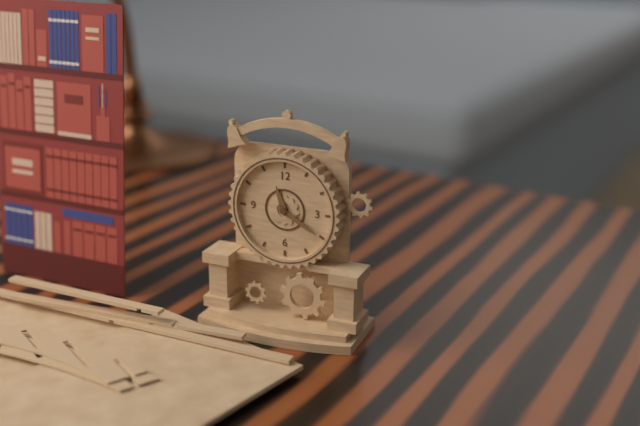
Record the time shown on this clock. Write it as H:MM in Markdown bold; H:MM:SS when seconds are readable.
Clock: **11:20**
